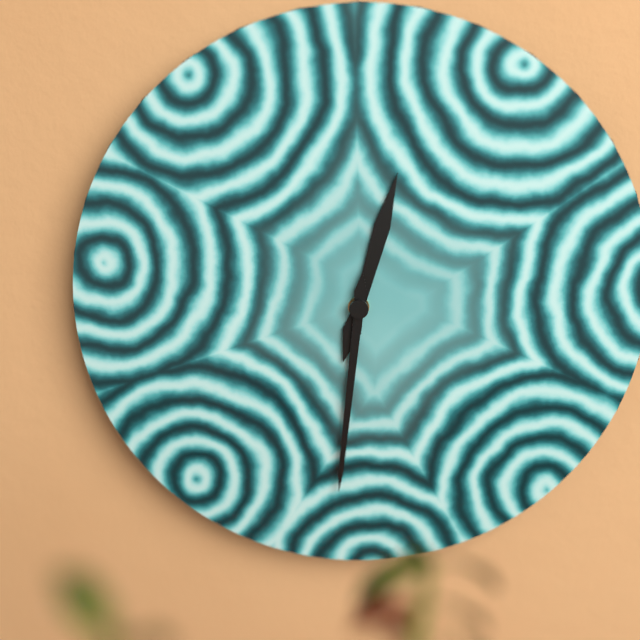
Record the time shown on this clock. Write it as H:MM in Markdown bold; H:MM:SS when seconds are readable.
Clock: **12:31**
